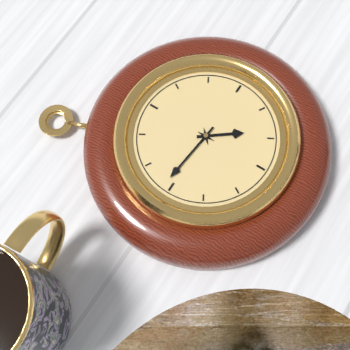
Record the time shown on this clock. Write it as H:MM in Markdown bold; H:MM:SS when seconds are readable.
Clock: **4:46**
